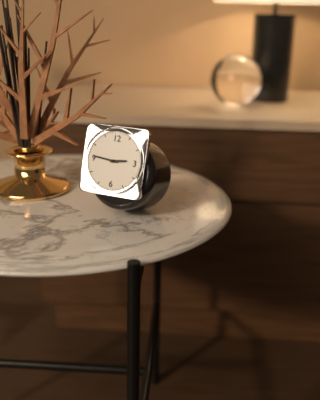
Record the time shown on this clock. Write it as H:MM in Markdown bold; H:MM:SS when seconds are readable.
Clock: **2:46**
